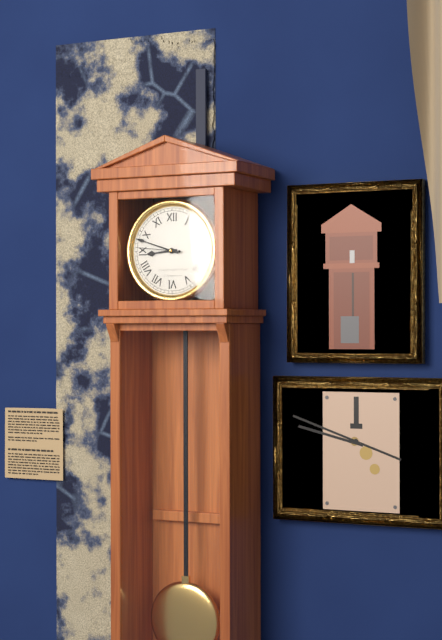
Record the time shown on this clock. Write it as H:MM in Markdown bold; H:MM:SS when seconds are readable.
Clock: **8:48**
